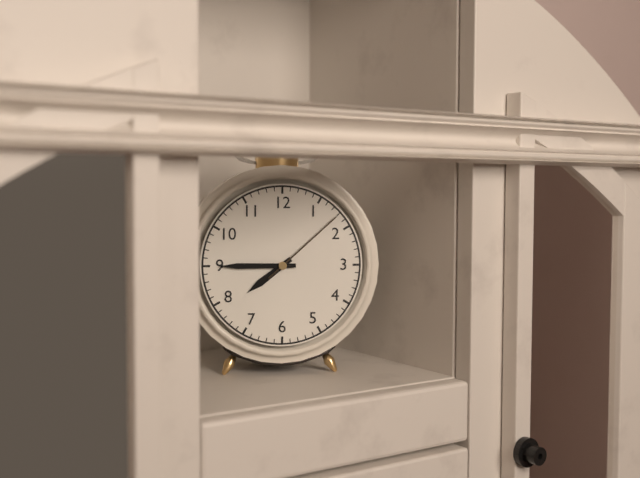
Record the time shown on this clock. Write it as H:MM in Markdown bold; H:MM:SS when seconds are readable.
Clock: **7:45:08**
